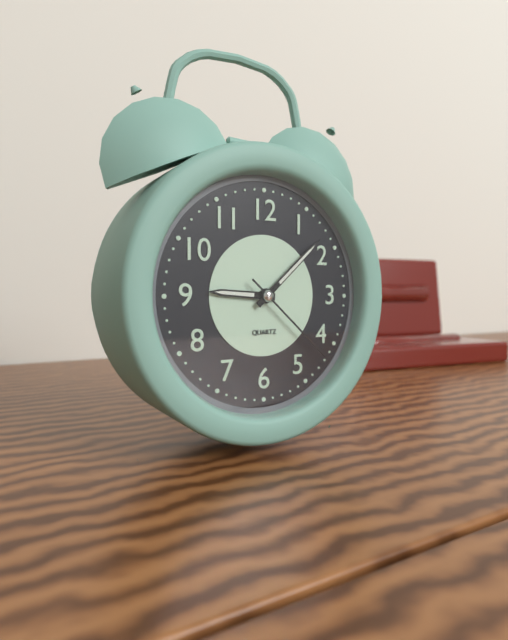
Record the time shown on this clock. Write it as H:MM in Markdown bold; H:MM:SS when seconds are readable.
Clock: **9:08:22**
